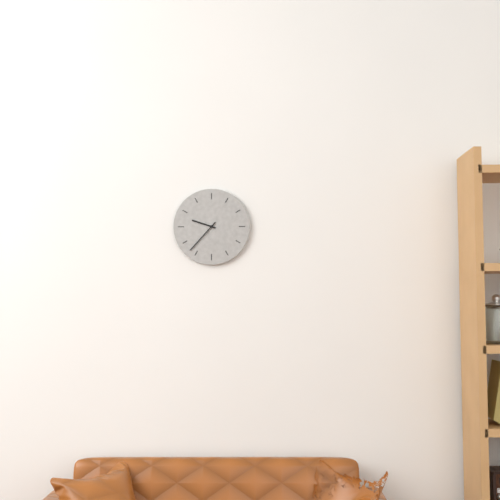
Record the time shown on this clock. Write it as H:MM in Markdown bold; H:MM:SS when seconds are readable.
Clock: **9:37**
